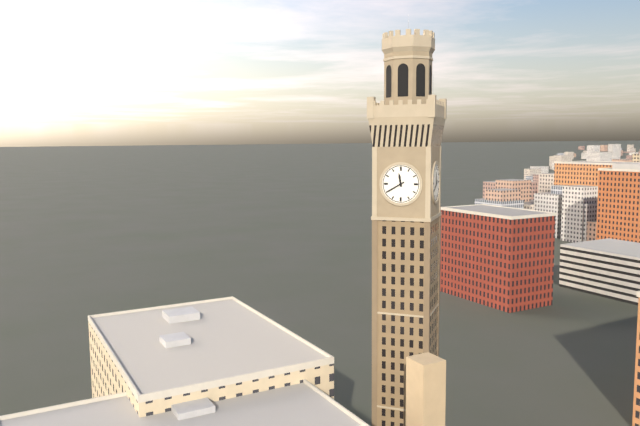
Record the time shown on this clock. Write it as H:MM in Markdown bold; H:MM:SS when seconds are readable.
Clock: **11:40**
